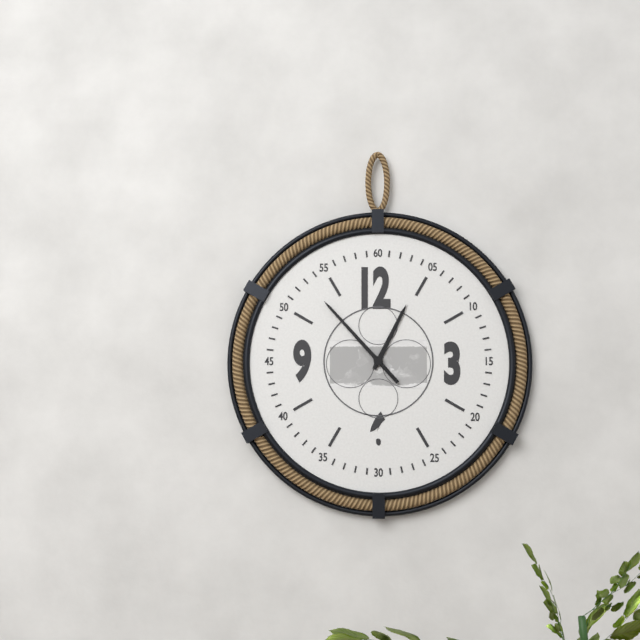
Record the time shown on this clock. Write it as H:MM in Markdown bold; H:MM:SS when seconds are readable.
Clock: **12:53**
